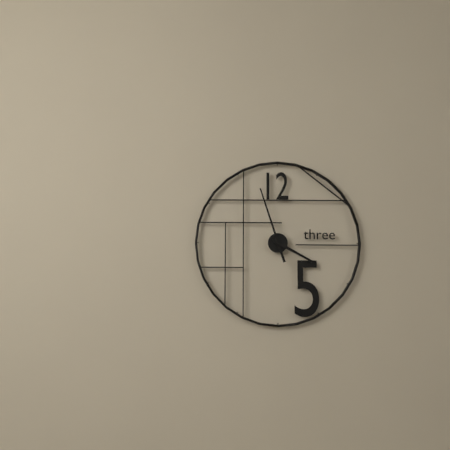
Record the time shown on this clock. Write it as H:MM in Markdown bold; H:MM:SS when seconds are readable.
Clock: **3:57**
